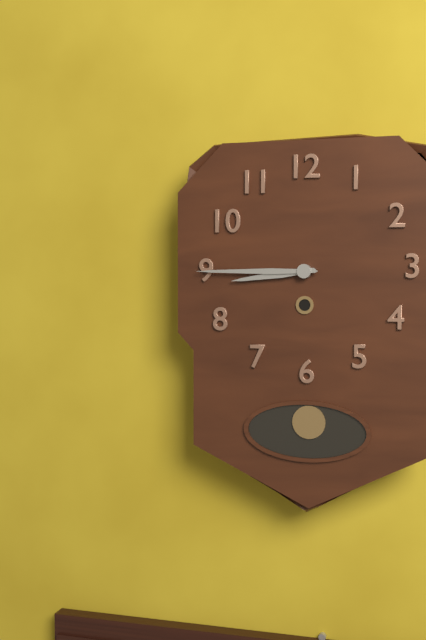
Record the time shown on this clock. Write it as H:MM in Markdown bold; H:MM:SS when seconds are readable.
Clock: **8:45**
